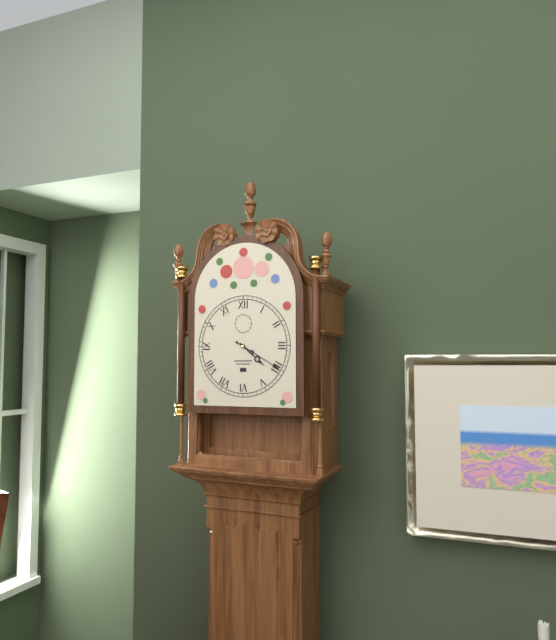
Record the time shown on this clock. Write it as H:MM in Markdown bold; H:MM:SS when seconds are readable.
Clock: **4:20**
